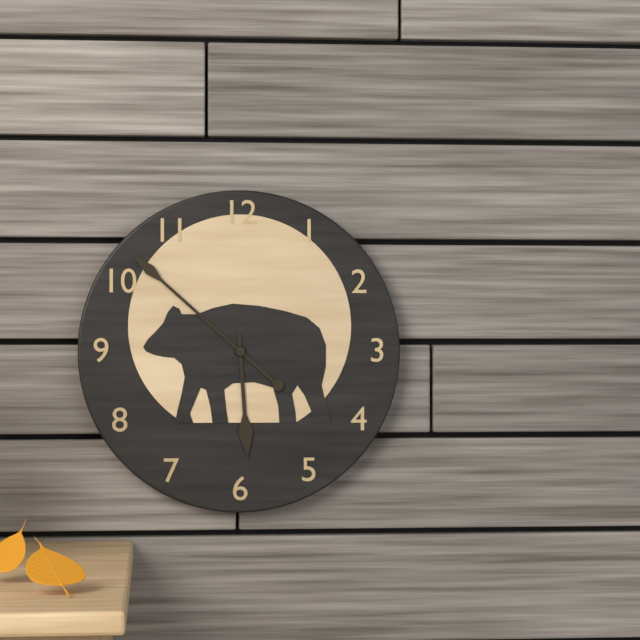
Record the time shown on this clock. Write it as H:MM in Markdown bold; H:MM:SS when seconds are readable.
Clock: **5:52**
